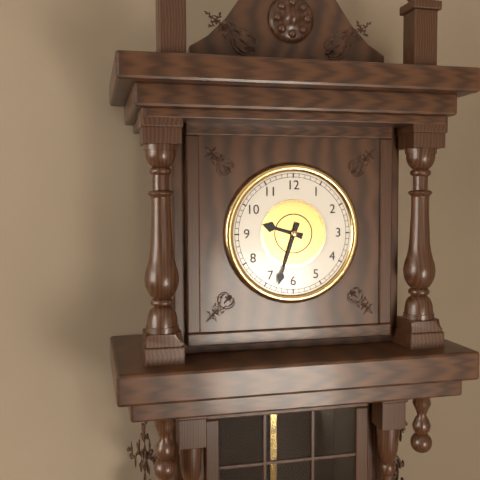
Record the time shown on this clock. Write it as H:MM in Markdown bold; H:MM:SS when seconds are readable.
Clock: **9:33**
